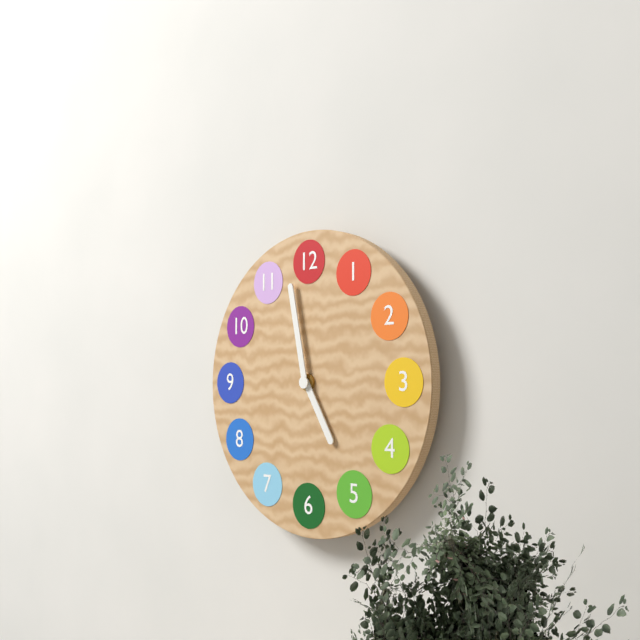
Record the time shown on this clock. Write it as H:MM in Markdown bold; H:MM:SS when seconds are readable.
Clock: **4:58**
